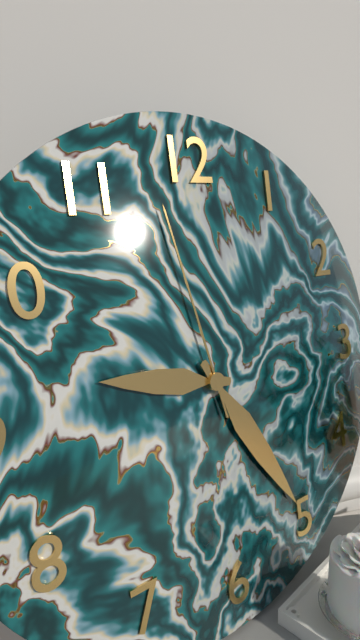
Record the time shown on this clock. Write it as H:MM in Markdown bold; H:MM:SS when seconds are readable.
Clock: **9:25:58**
